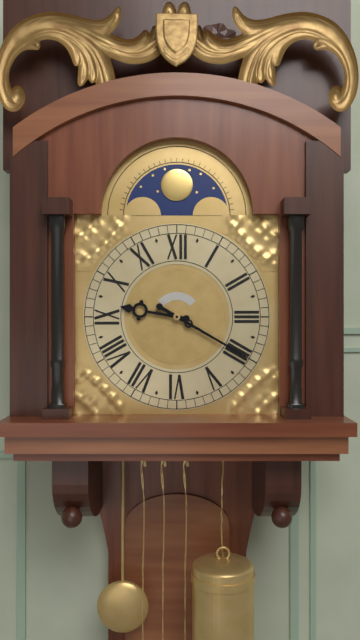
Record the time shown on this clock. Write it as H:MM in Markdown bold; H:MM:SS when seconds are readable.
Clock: **9:20**
